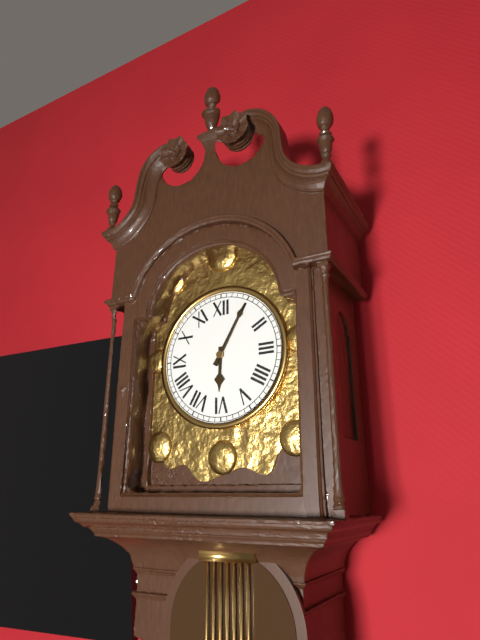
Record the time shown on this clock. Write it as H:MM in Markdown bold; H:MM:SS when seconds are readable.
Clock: **6:05**
